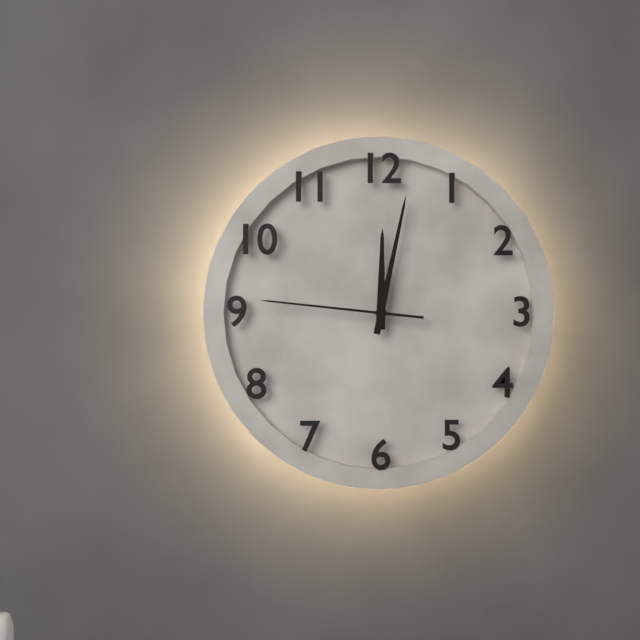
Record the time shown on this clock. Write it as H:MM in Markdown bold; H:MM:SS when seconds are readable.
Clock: **12:02:46**
